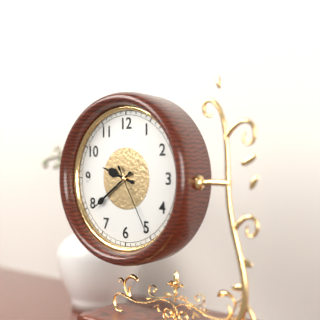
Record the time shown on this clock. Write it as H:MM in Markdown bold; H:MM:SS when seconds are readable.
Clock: **9:39:25**
